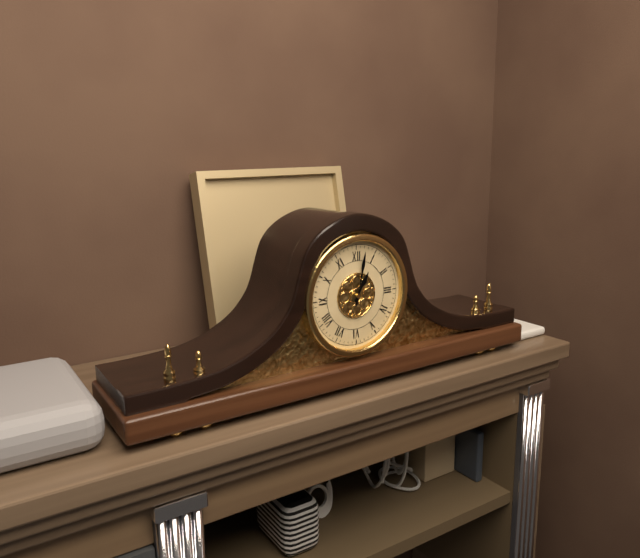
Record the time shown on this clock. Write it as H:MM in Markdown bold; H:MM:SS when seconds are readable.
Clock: **1:02**
